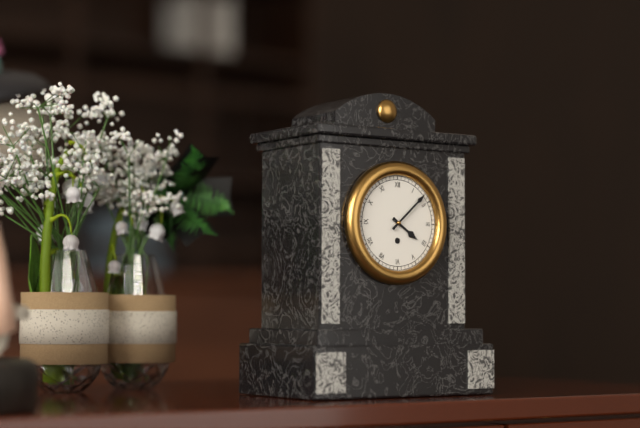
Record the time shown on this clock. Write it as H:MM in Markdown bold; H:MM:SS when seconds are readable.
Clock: **4:08**
